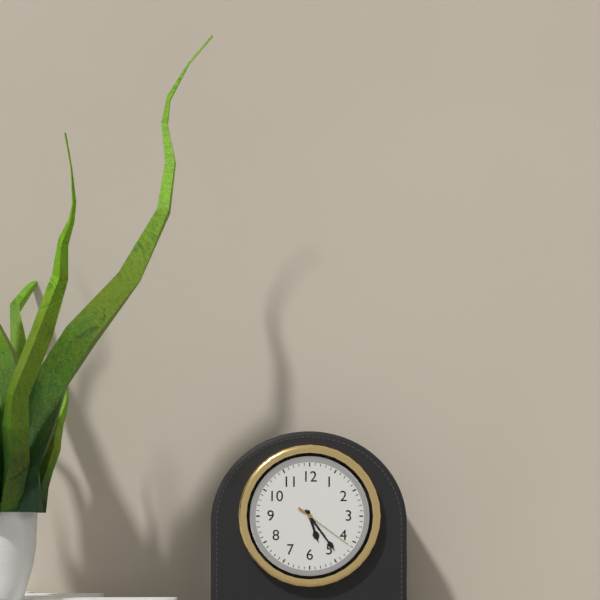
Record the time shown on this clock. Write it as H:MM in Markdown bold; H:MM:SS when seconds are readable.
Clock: **5:24:21**
